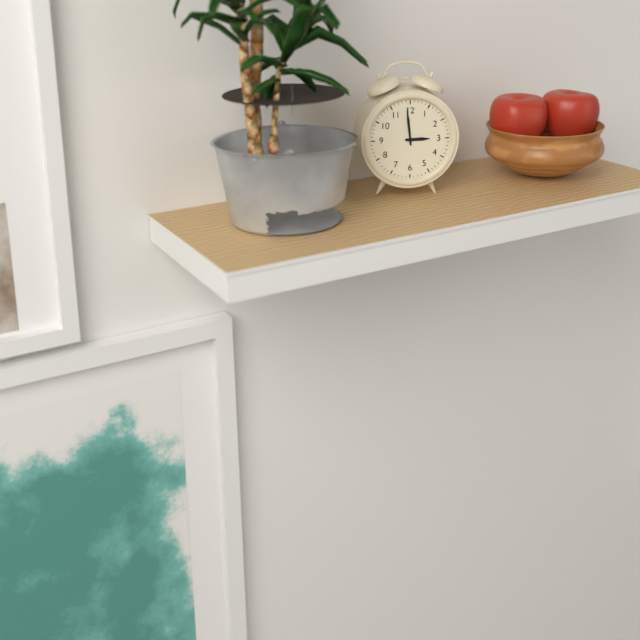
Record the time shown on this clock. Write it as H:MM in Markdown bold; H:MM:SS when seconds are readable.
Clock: **2:59**
